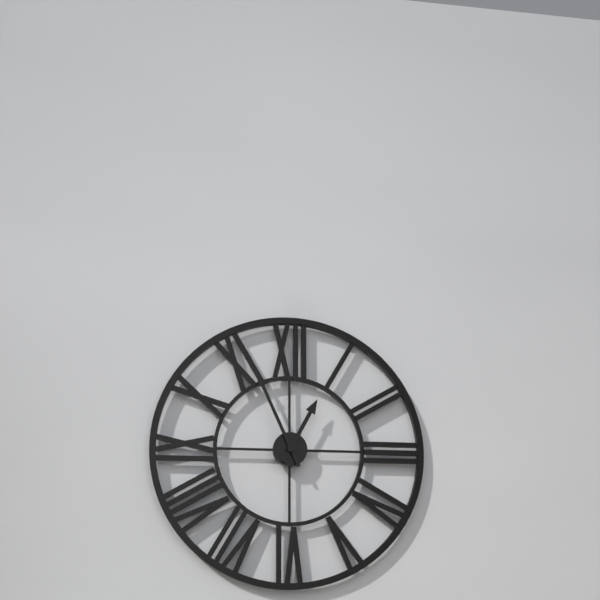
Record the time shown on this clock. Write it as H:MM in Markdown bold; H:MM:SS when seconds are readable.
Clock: **12:56**
